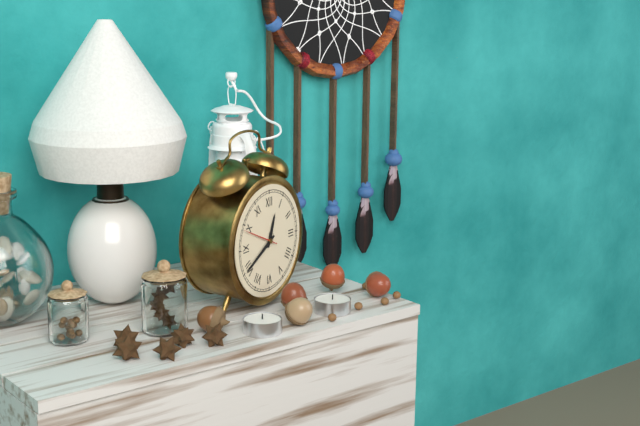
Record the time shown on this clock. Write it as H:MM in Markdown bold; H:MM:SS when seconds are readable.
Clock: **12:40**
